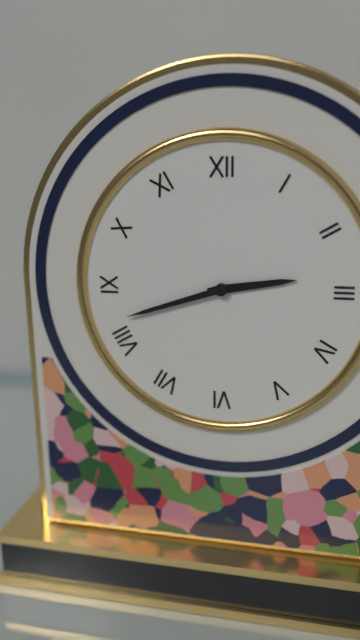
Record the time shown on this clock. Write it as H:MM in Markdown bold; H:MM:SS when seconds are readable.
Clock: **2:42**
